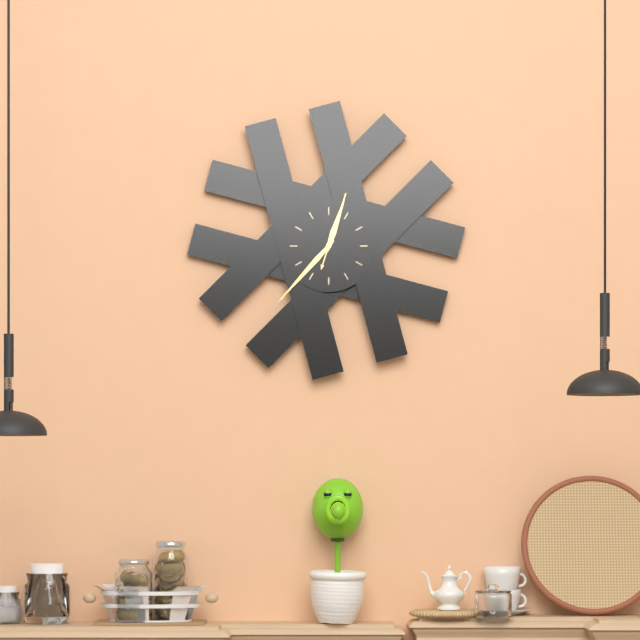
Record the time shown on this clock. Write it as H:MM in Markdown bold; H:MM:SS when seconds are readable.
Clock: **12:37:03**
